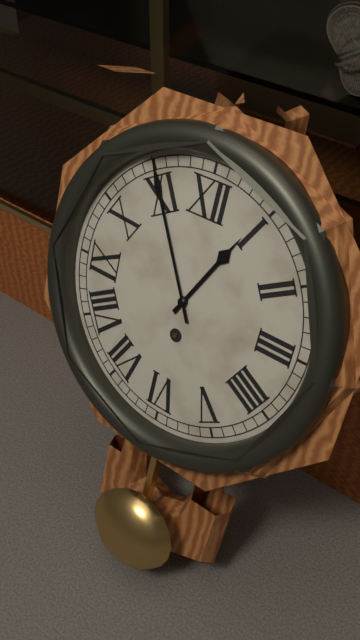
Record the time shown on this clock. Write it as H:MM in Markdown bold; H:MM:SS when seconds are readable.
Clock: **12:55**
